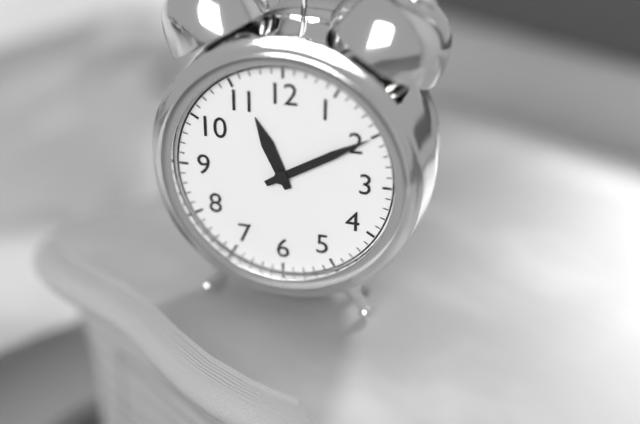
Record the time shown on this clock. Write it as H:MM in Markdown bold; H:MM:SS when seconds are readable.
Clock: **11:10**
